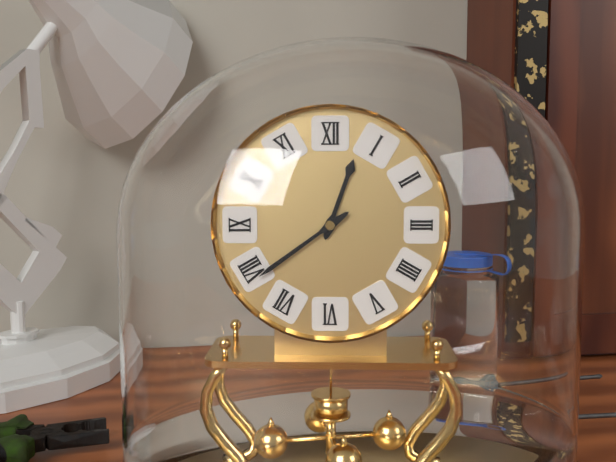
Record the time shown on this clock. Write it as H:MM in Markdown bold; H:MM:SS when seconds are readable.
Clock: **12:39**
